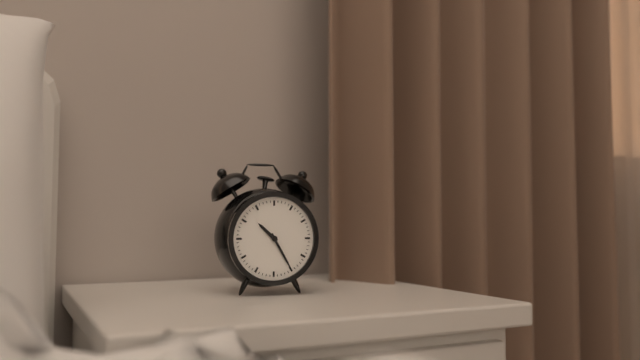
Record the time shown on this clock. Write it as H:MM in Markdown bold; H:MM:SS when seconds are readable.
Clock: **10:25**
